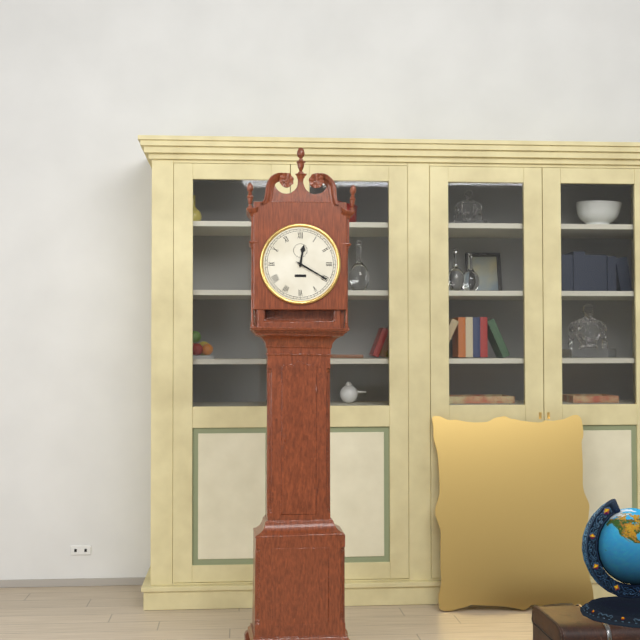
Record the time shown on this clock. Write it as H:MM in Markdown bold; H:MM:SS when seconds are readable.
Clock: **12:20**
